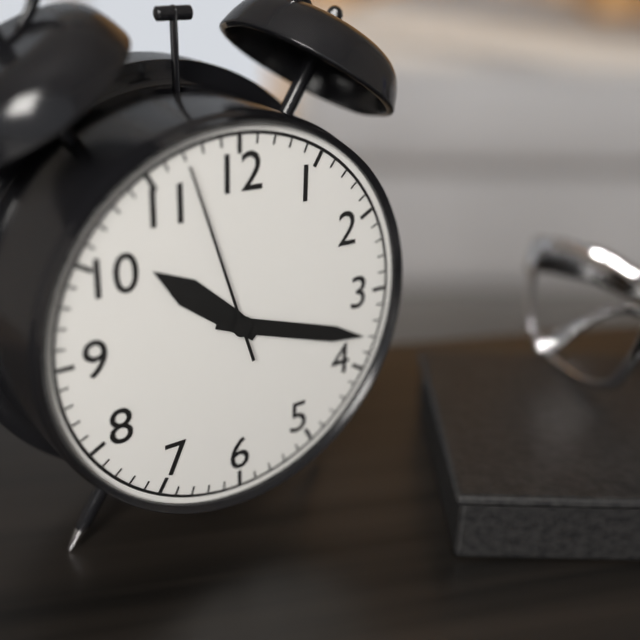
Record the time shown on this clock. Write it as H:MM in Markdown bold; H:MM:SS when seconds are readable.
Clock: **10:18:57**
